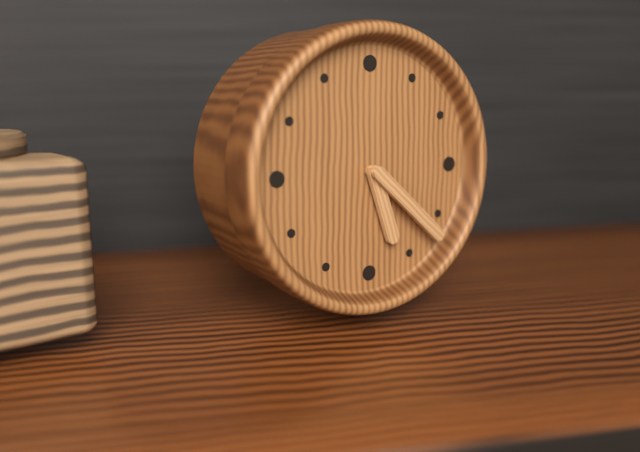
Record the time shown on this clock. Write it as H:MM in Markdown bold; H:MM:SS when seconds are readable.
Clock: **5:22**
